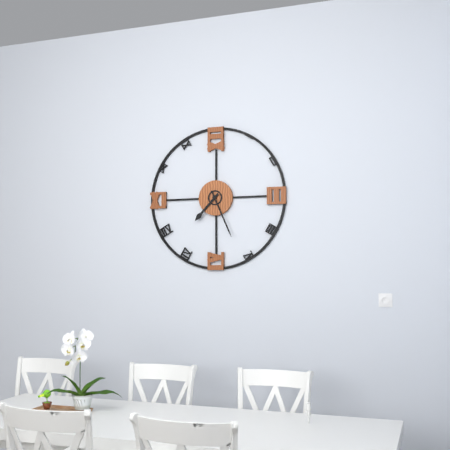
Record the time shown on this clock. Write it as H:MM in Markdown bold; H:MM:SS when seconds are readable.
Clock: **7:26**
